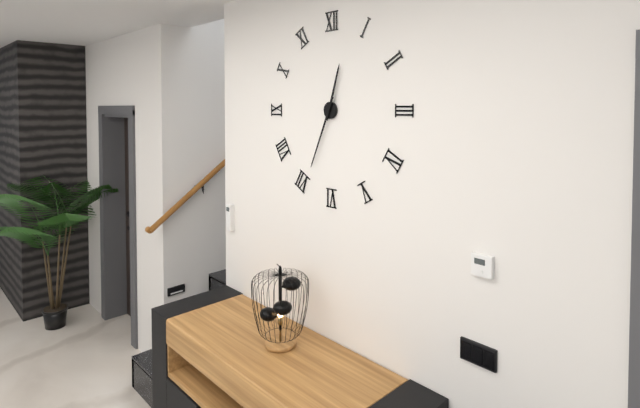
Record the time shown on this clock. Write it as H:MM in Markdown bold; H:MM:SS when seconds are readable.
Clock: **12:34**
